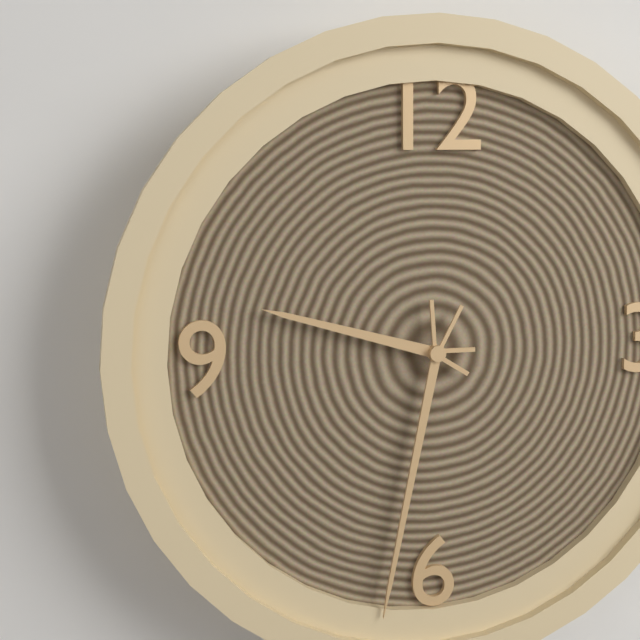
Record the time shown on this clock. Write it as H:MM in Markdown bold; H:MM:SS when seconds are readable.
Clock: **9:32**
